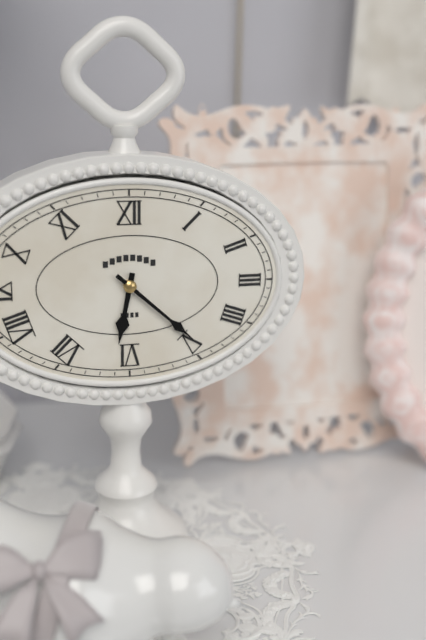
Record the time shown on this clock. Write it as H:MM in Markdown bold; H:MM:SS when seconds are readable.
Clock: **6:22**
